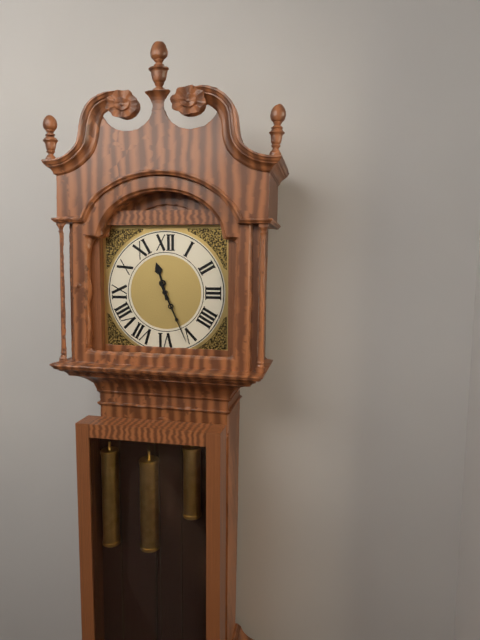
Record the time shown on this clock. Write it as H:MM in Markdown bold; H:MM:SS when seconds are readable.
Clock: **11:26**
